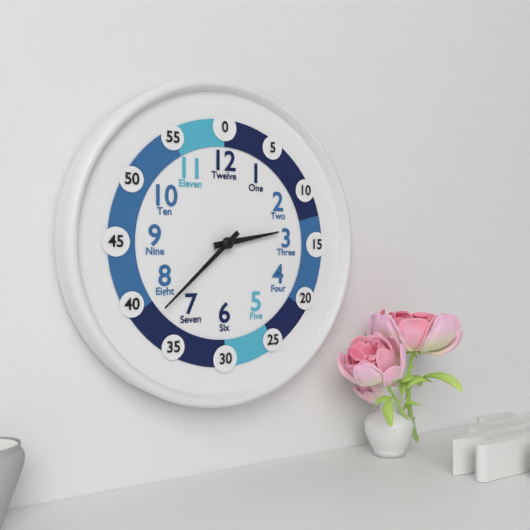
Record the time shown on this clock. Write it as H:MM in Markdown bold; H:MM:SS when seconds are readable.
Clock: **2:38**
